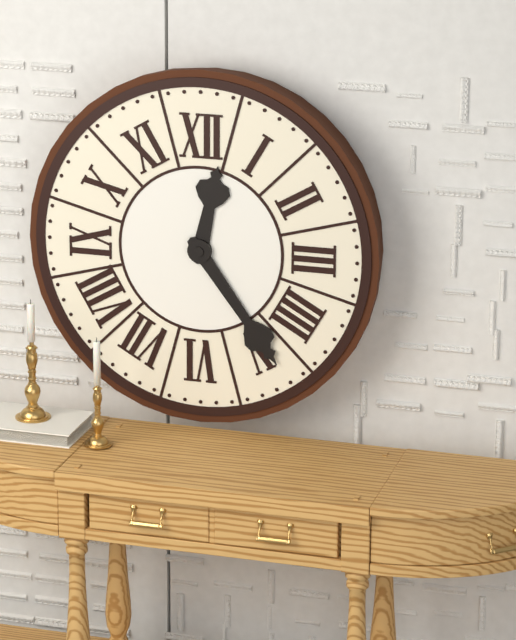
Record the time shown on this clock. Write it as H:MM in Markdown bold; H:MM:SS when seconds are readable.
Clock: **12:24**
